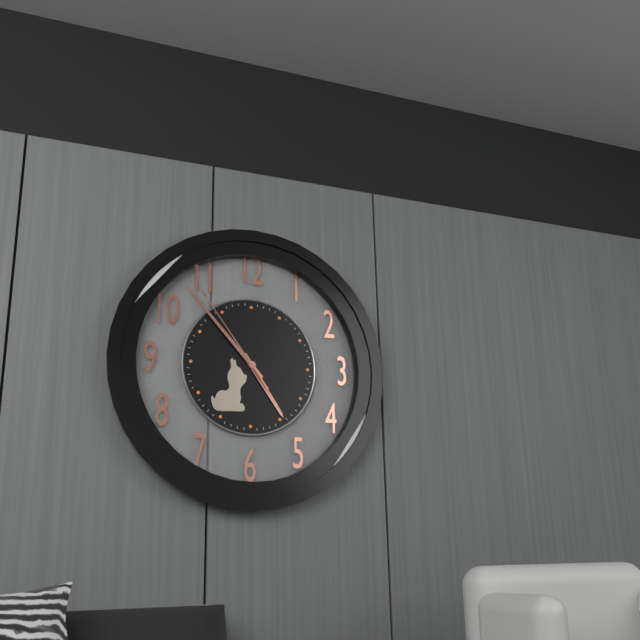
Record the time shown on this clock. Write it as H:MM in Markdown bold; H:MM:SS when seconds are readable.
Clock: **4:53:54**
